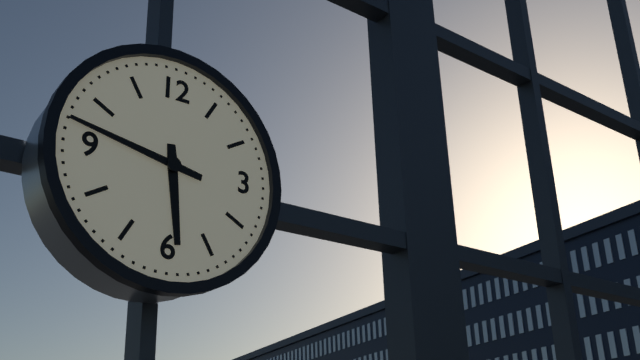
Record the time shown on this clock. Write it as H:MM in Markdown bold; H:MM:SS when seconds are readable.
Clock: **5:47**
